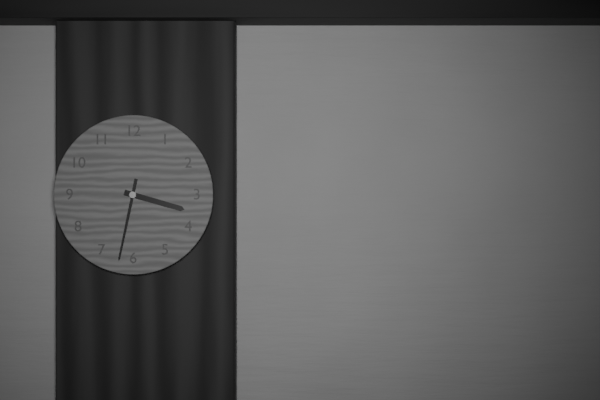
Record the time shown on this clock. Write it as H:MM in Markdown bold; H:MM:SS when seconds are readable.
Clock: **3:32**
